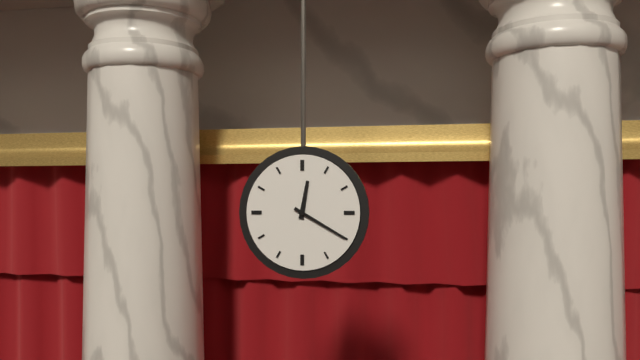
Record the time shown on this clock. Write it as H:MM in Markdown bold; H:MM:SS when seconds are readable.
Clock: **12:20**
